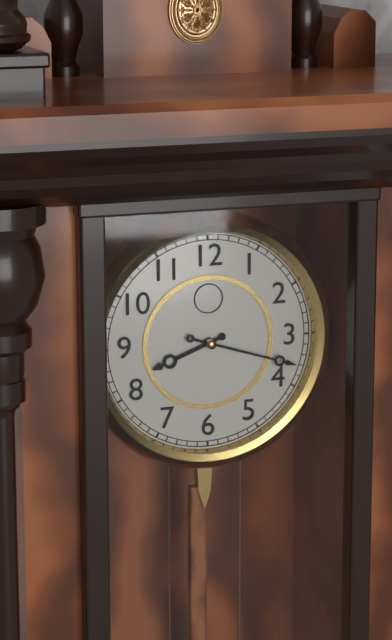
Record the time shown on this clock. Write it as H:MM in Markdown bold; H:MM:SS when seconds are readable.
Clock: **8:18**
